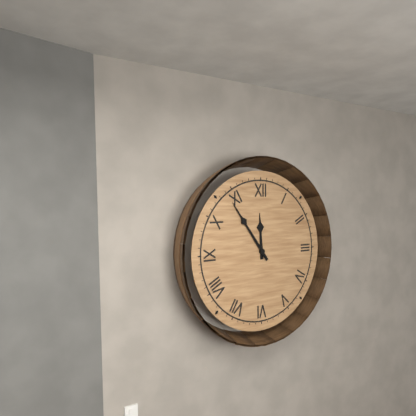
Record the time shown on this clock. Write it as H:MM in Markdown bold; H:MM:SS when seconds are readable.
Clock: **11:54**
